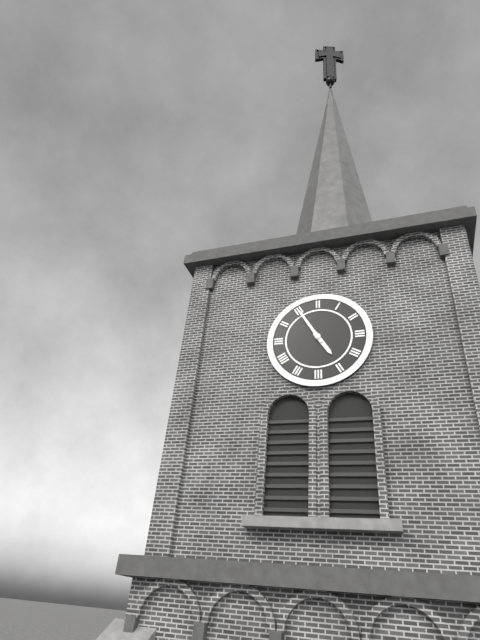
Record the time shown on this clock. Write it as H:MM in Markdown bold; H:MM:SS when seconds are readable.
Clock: **4:55**
